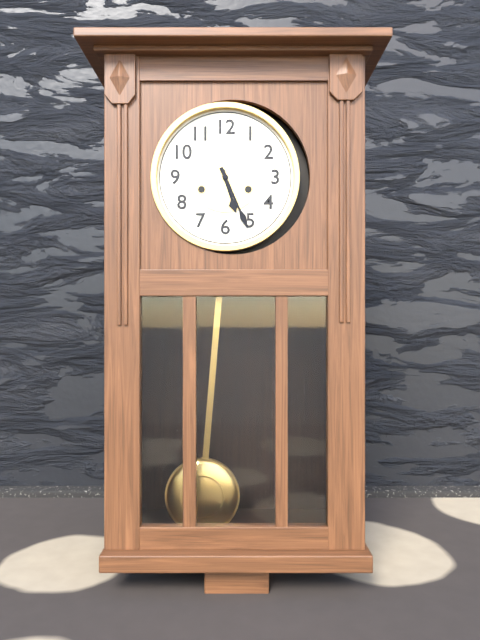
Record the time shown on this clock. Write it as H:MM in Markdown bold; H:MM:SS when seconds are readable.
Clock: **5:26**
